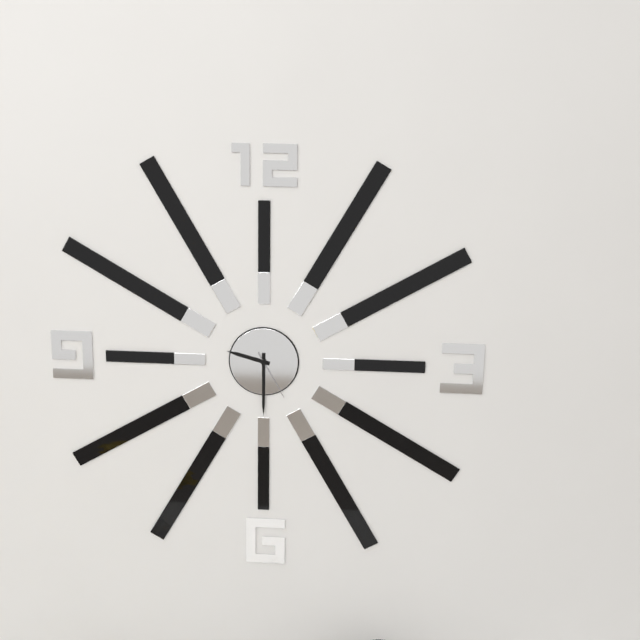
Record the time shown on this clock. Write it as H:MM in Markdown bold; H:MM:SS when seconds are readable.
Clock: **9:30:25**
